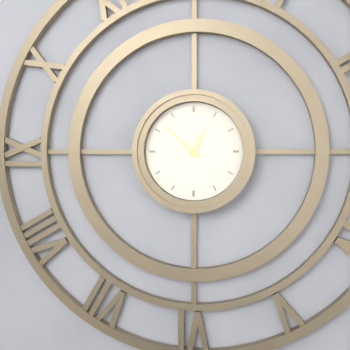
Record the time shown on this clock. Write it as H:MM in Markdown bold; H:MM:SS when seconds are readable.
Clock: **12:52**
